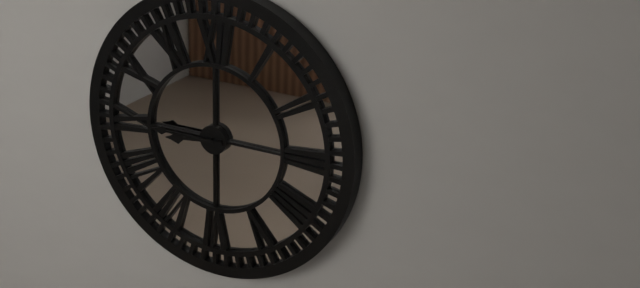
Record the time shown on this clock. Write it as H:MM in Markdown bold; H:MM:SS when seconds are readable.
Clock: **8:45**
